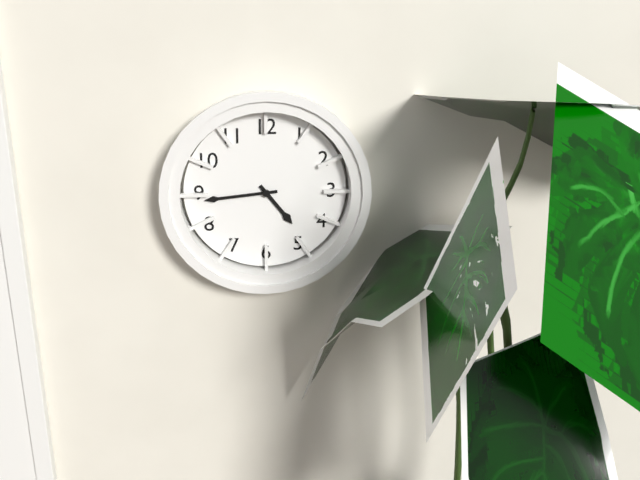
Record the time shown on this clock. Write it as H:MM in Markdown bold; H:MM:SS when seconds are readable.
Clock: **4:44**
